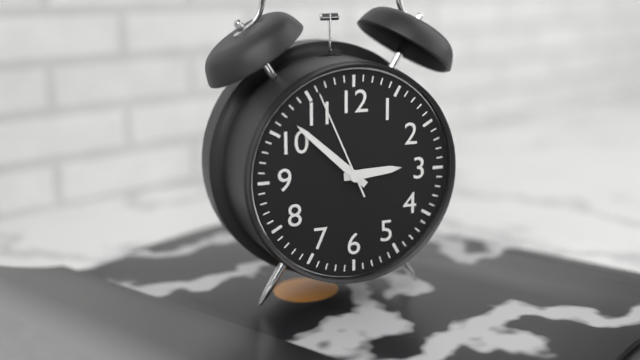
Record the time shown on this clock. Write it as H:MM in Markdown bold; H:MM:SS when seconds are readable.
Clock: **2:52:56**
